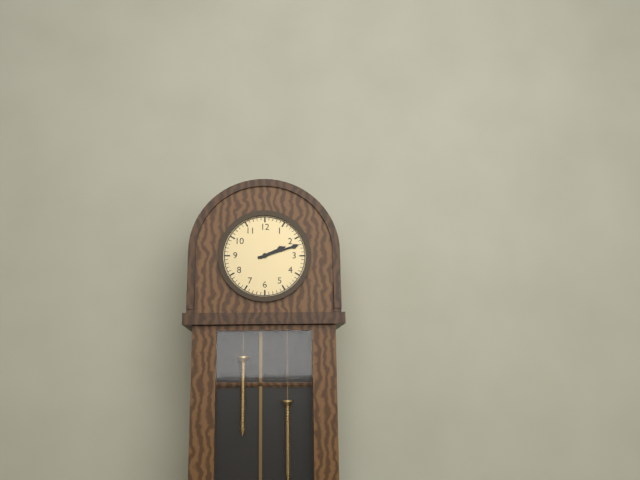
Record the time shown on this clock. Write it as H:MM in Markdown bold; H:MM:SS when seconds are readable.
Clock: **2:12**
